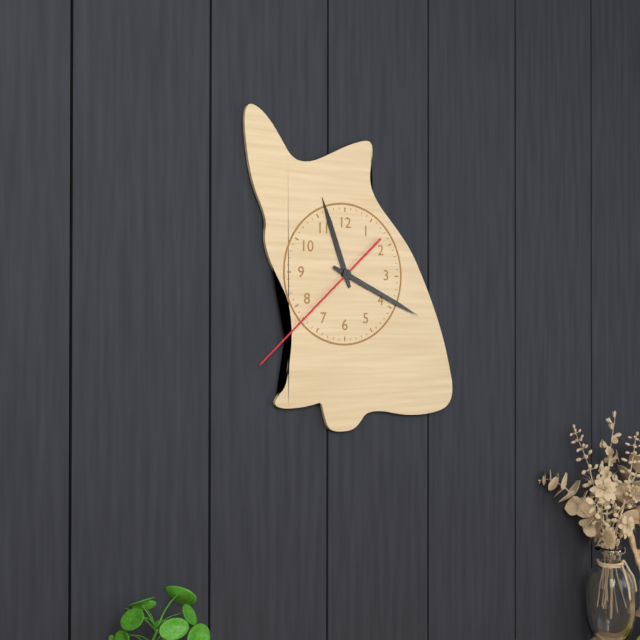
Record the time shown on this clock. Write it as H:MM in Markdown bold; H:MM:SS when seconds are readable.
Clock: **11:19:38**
